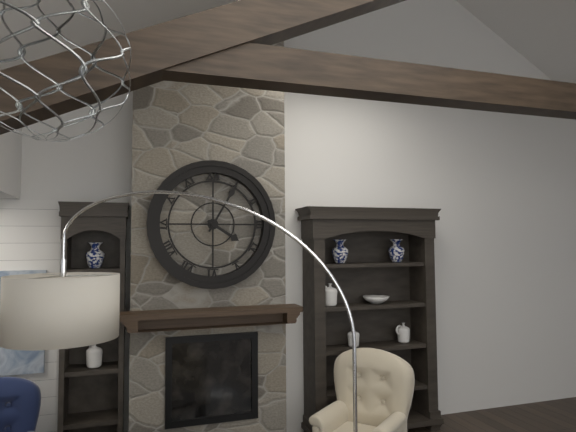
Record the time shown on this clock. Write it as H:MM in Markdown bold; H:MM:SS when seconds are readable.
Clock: **4:05**
